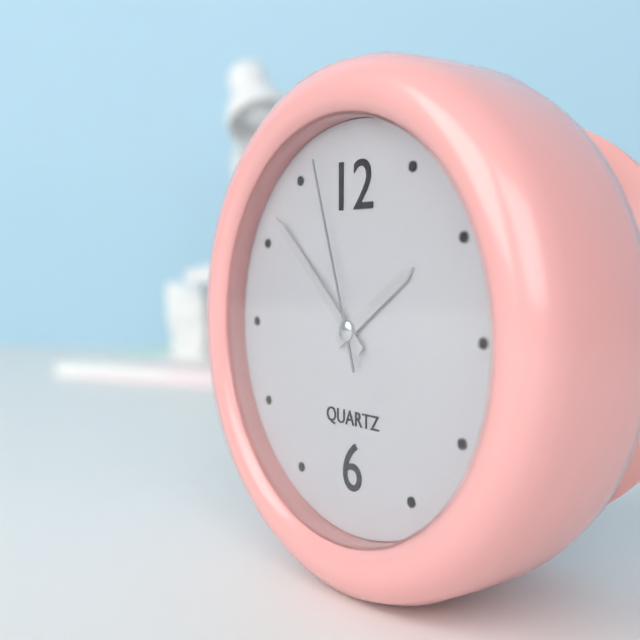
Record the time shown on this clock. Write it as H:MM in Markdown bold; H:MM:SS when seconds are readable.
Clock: **1:52:57**
